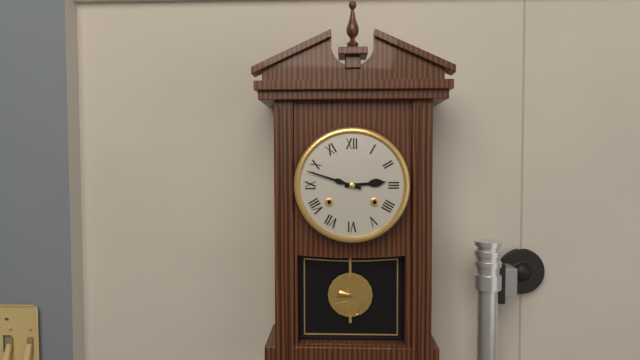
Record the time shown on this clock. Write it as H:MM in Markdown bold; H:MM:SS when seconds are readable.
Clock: **2:48**
